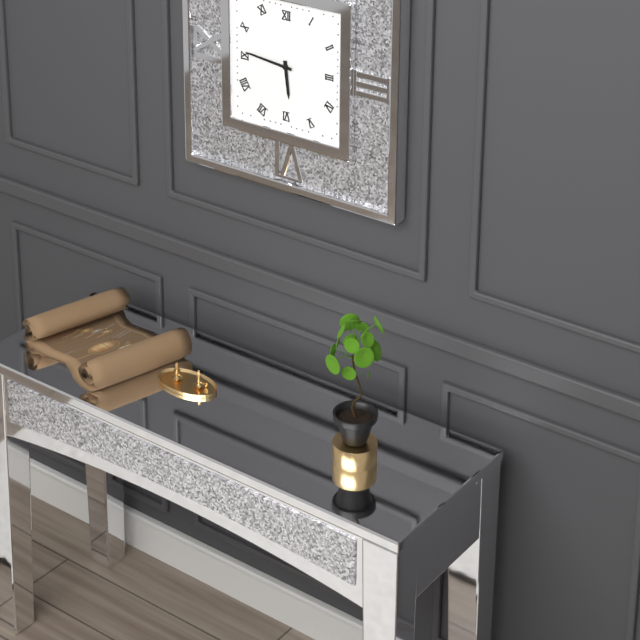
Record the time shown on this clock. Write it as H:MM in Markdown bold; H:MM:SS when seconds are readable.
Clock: **5:46**
